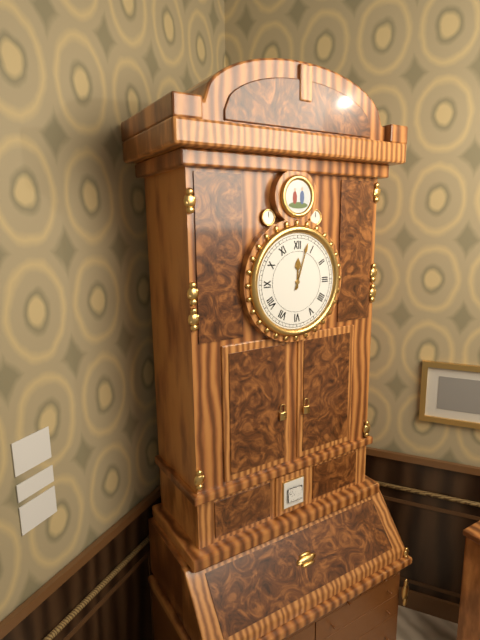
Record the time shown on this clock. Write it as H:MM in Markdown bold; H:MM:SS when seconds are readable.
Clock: **12:03**
